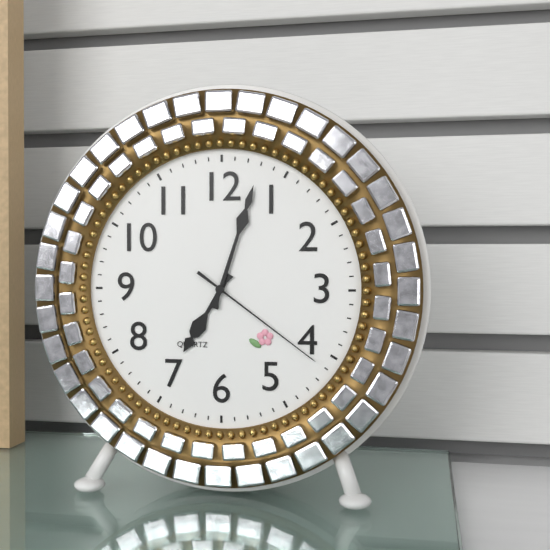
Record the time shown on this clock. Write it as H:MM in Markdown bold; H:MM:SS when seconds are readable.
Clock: **7:03:21**
